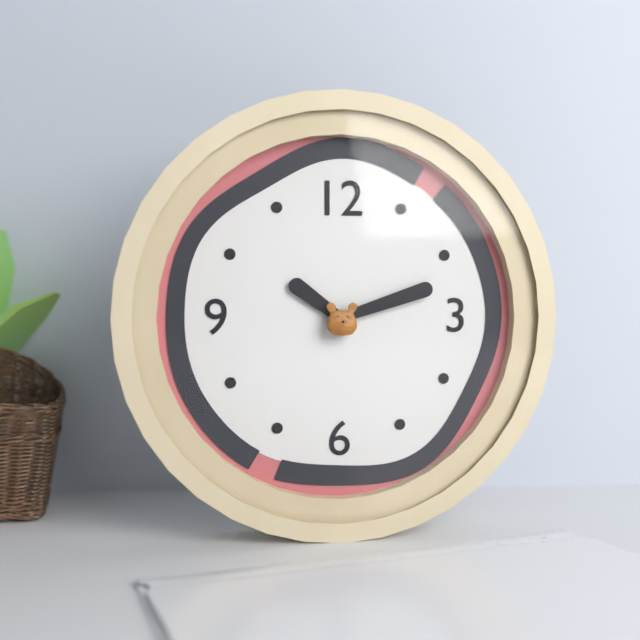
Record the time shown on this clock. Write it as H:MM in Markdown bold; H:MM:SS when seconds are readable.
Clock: **10:12**
